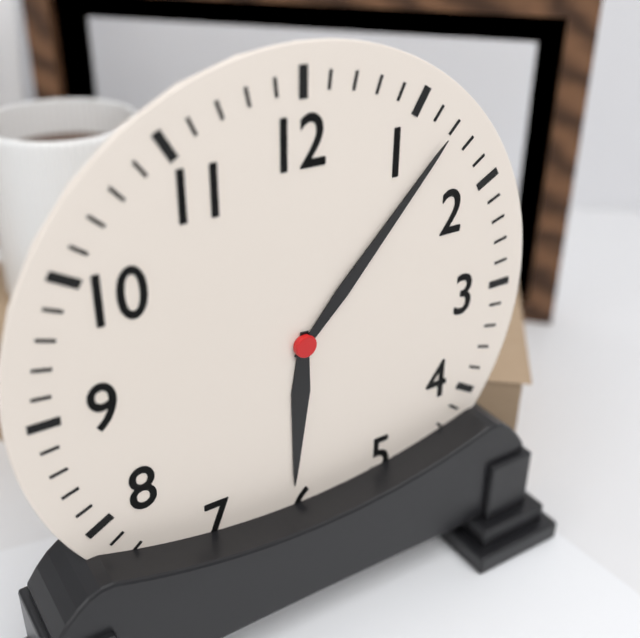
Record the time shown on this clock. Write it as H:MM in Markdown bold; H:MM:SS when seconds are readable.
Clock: **6:07**
